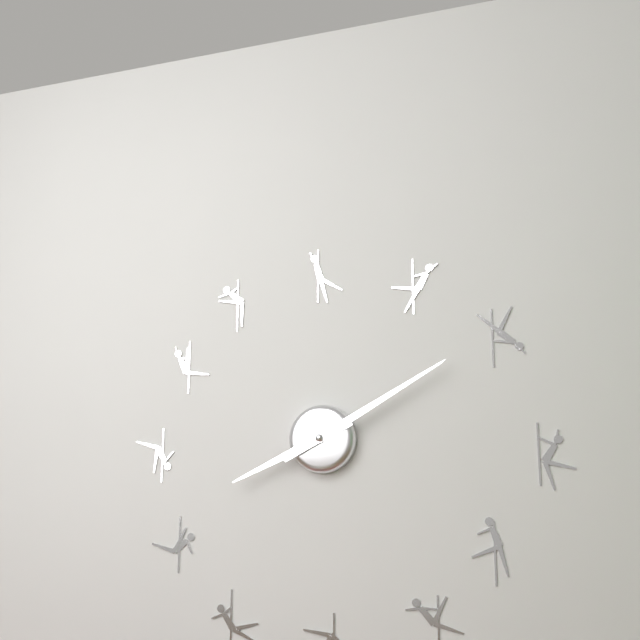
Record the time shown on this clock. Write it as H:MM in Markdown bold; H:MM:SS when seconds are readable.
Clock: **8:10**
